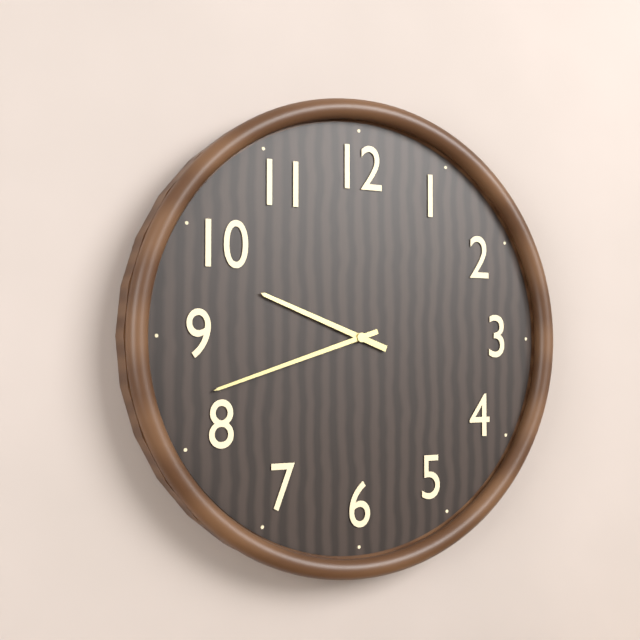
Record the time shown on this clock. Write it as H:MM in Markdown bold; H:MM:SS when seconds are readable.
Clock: **9:42**
